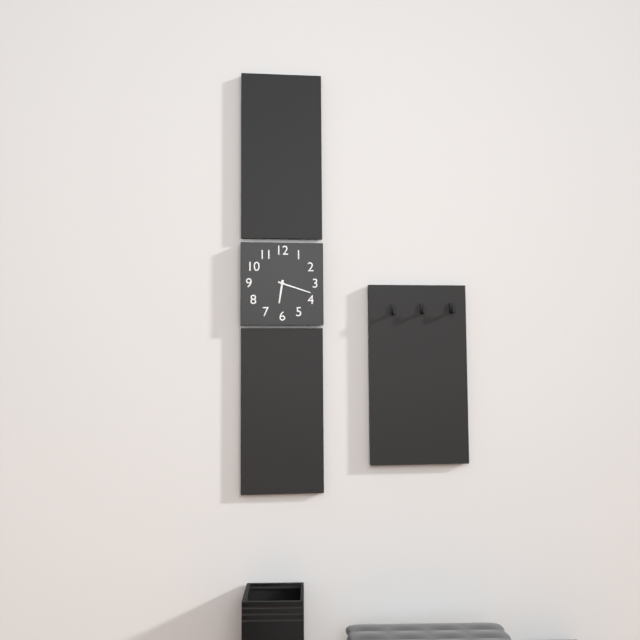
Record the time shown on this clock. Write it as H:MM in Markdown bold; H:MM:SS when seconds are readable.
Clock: **6:18**
